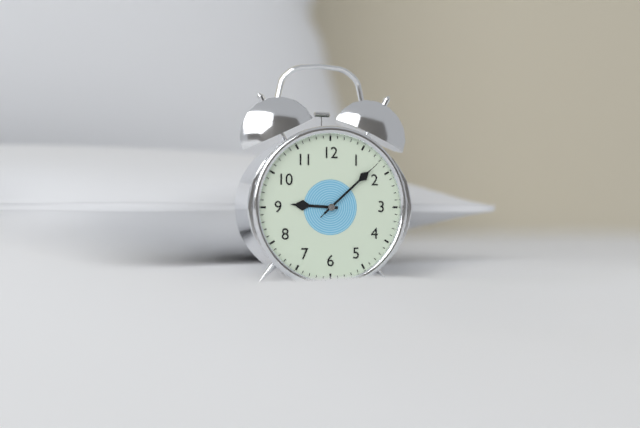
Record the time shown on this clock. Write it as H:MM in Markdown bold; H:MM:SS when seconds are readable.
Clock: **9:08:08**
